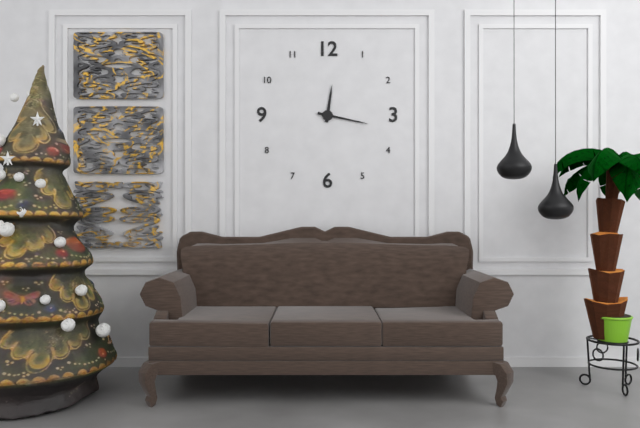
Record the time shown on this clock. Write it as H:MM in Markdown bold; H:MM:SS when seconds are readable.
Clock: **12:17**
